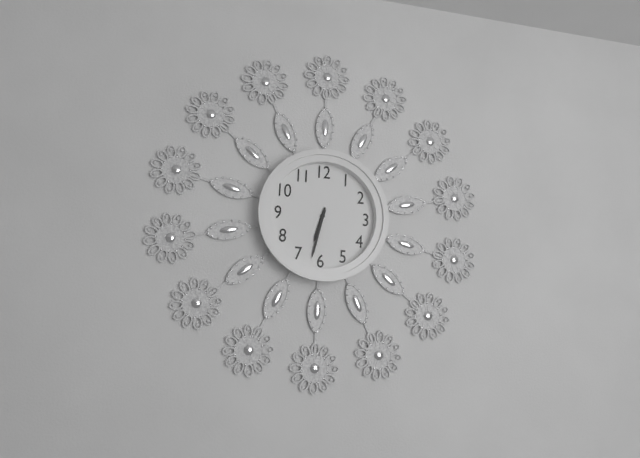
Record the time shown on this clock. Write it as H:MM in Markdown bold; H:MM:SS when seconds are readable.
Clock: **6:32**
